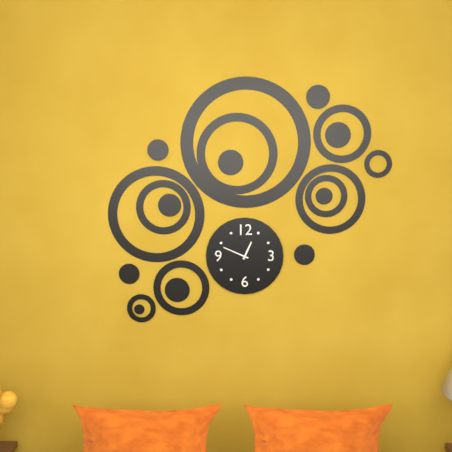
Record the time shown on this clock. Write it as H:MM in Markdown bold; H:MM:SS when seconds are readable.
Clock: **12:49**
